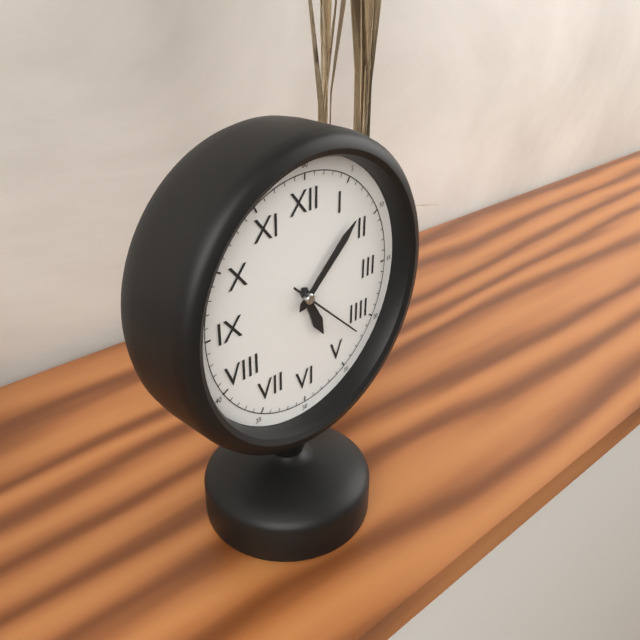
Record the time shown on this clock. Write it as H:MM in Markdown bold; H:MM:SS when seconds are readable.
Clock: **5:08:22**
